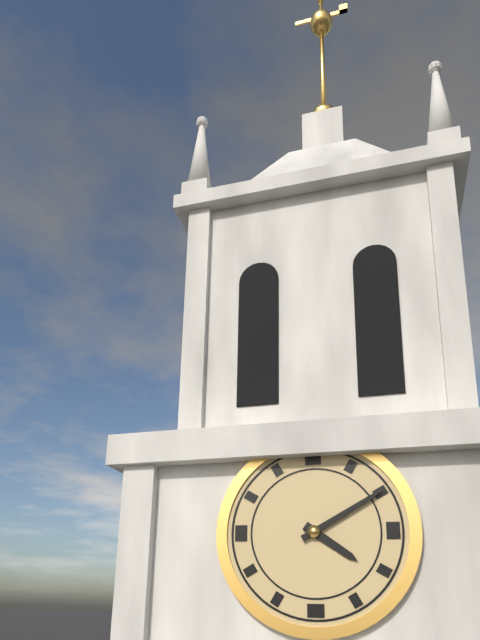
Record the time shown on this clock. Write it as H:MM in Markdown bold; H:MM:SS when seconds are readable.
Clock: **4:10**
